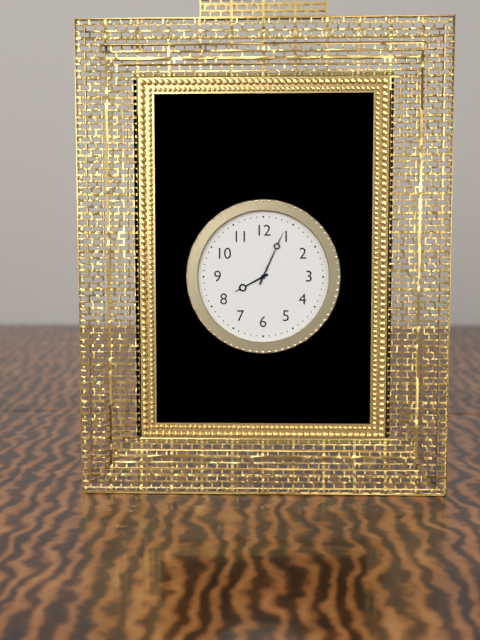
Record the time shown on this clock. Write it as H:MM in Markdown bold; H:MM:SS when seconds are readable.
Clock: **8:04**
